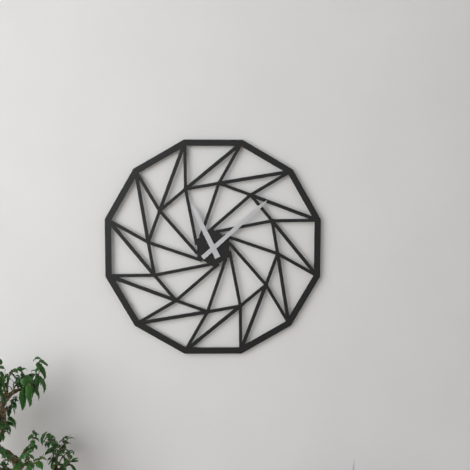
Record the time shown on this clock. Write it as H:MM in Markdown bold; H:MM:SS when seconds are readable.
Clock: **11:08**
